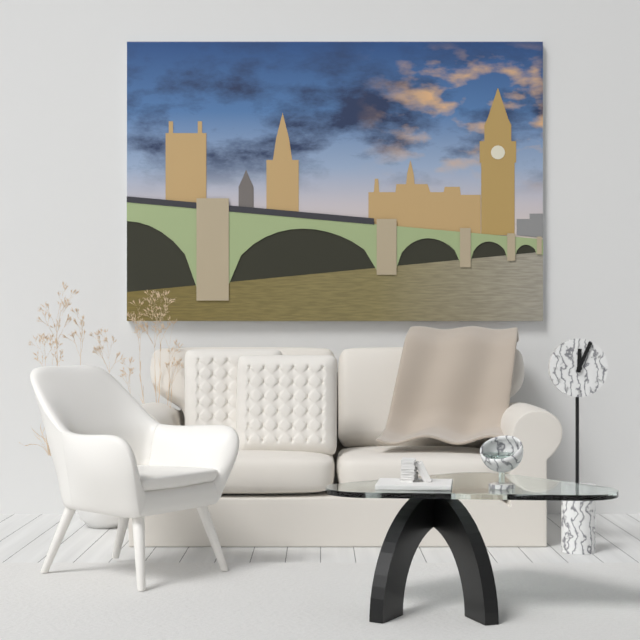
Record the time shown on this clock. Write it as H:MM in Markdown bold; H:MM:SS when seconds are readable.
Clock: **12:04**
